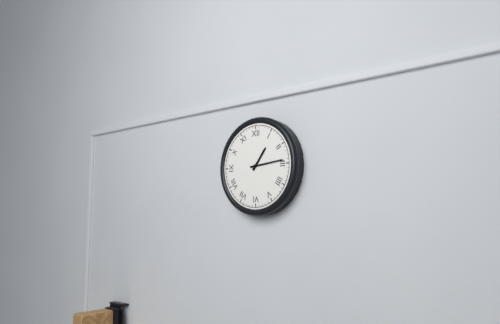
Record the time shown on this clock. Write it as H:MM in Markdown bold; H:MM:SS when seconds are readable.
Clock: **1:14**
